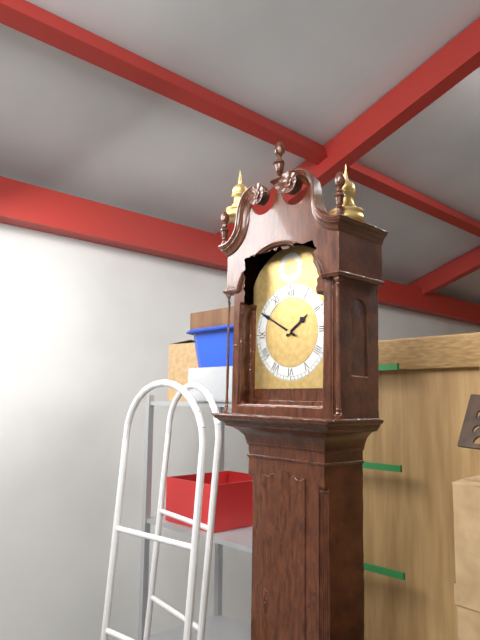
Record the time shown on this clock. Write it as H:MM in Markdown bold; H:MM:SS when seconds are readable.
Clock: **1:50**
